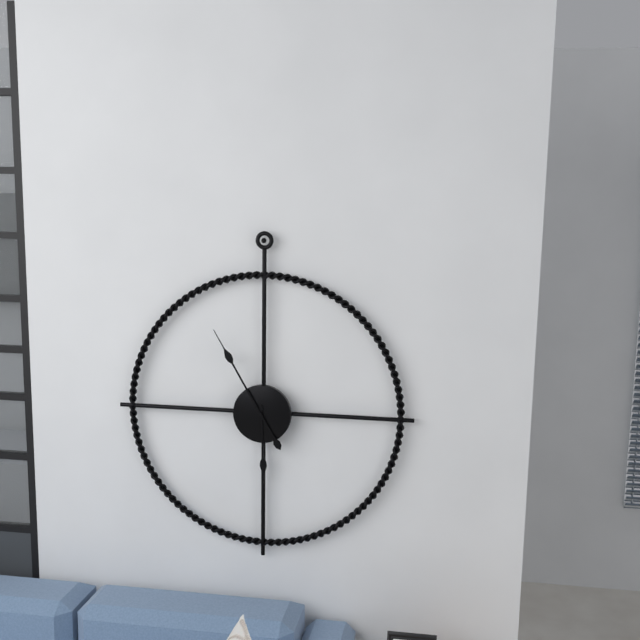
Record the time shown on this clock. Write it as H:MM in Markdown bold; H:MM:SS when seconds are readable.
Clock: **5:55**
